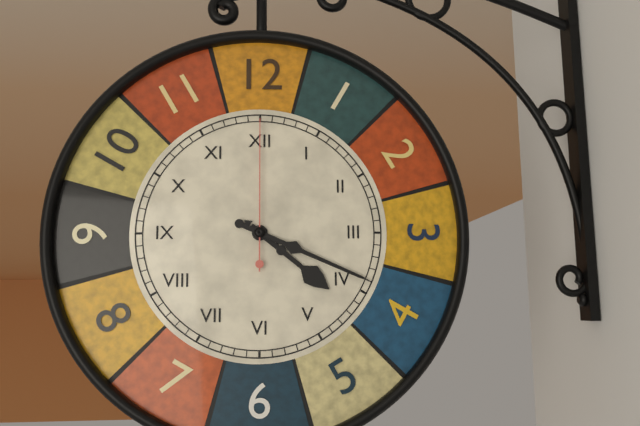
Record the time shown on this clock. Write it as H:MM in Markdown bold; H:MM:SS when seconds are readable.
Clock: **4:19:00**
